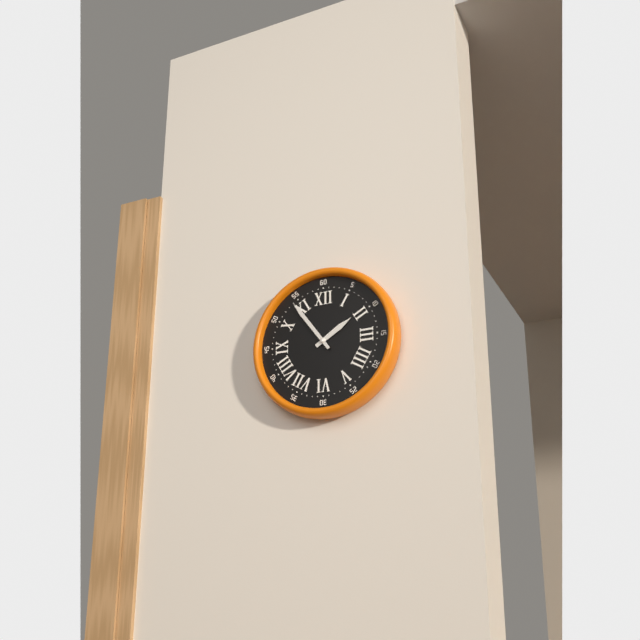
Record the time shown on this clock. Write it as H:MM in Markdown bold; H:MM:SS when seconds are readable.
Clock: **1:54**
